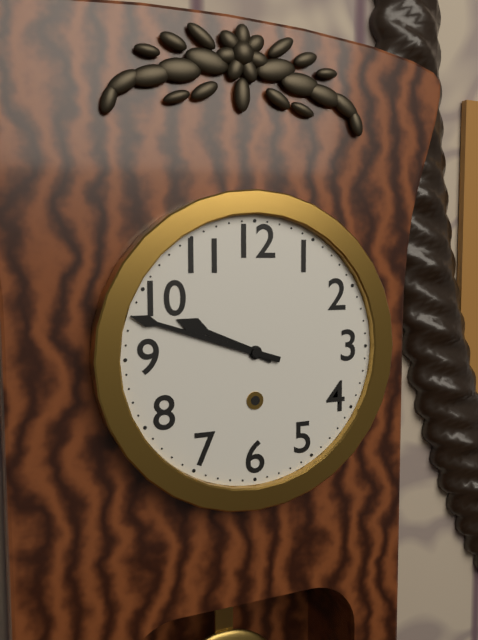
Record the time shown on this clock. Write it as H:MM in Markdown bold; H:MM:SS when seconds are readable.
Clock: **9:48**
